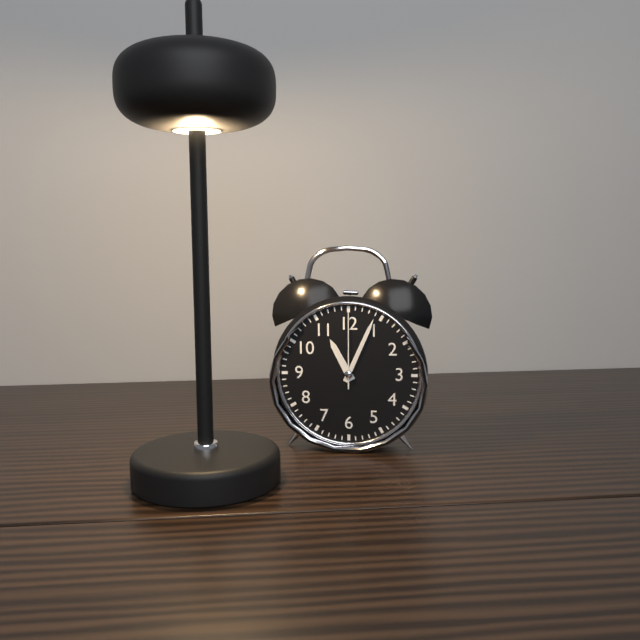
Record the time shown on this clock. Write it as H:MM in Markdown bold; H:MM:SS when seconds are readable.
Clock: **11:04:00**
